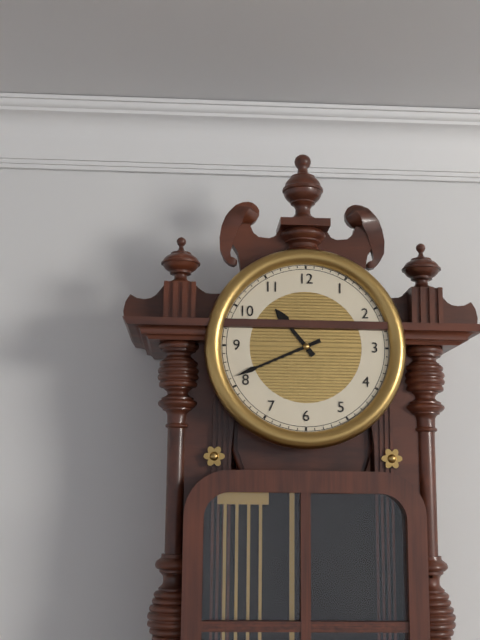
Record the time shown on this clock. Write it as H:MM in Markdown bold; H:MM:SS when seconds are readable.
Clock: **10:41**
